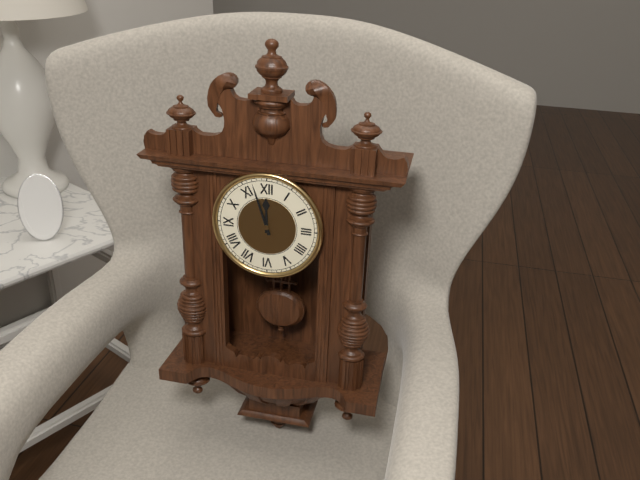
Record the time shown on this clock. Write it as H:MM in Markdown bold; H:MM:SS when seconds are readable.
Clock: **11:57**
